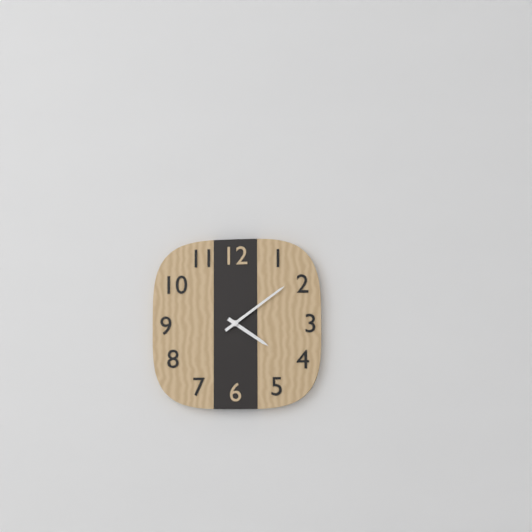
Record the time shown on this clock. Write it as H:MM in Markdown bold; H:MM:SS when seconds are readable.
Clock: **4:09**
